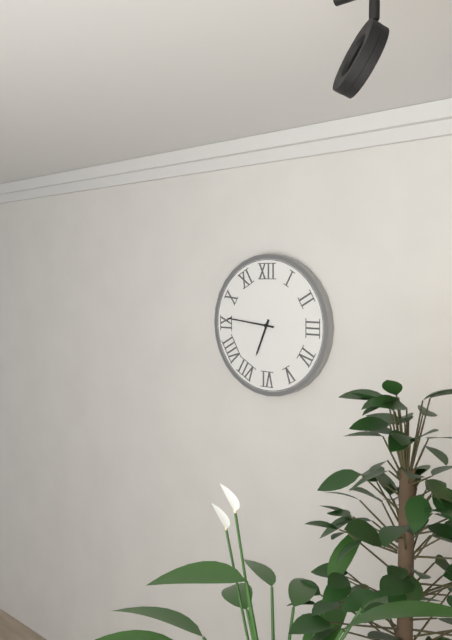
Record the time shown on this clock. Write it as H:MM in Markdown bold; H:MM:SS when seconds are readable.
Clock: **6:46**
